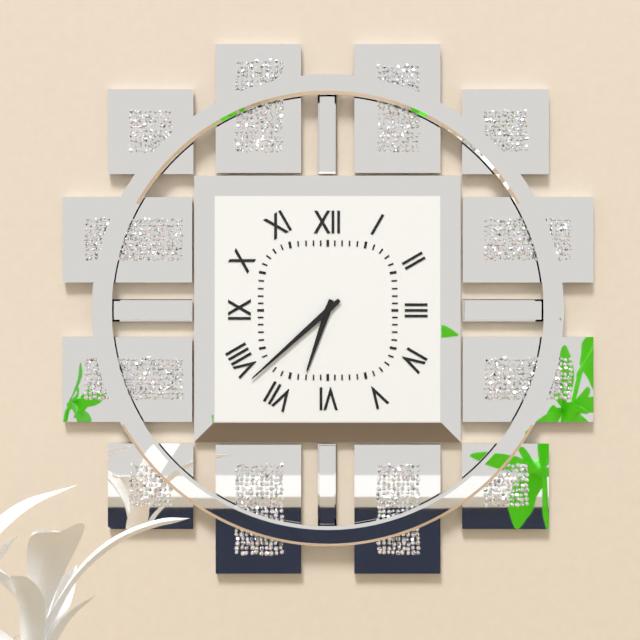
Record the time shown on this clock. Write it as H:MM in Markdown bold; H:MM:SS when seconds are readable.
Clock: **6:38**
